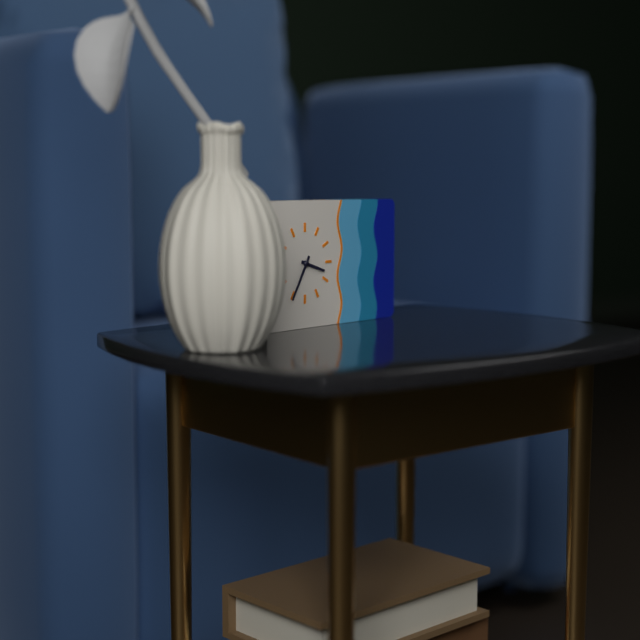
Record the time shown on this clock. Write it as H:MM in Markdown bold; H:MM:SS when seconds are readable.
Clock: **3:35**
